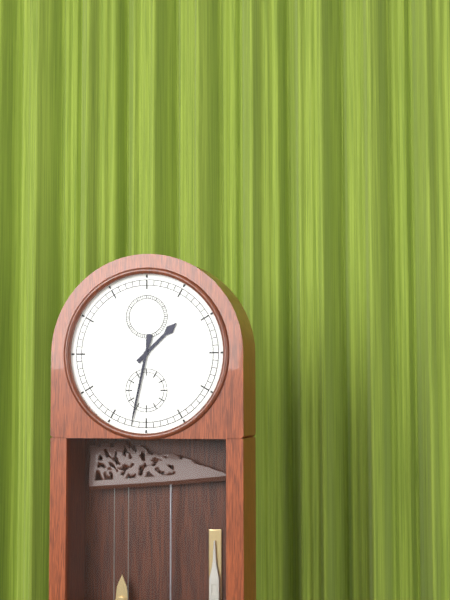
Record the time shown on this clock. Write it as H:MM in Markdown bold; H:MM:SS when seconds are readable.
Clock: **1:32**
